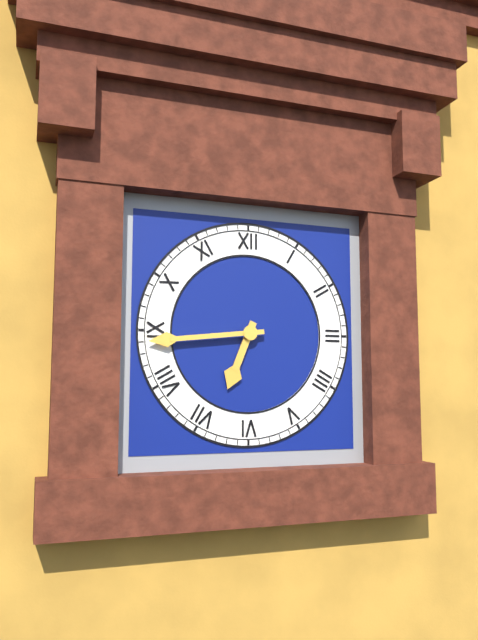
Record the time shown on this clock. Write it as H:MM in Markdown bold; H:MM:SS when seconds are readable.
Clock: **6:44**
